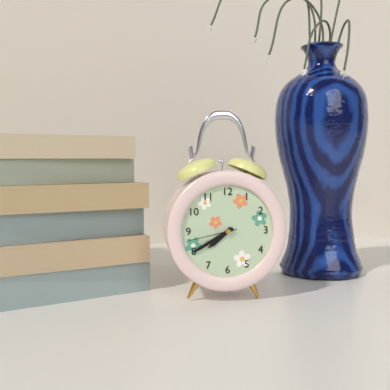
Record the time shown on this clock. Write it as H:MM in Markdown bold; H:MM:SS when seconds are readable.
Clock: **7:40:43**
